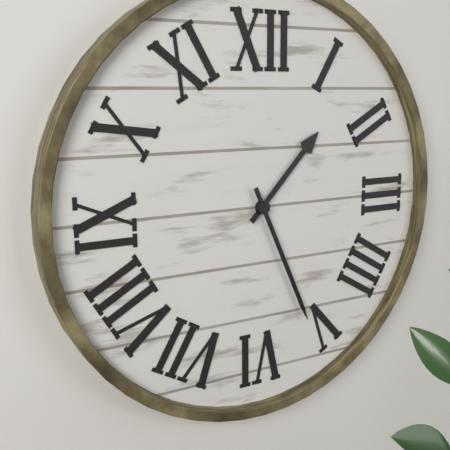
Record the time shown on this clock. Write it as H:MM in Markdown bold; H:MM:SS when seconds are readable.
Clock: **1:26**
